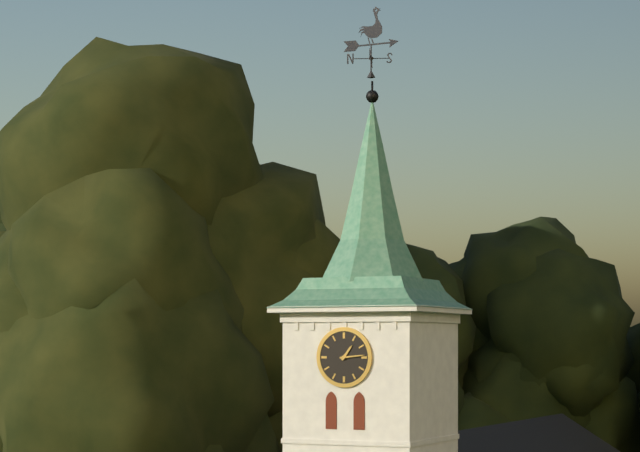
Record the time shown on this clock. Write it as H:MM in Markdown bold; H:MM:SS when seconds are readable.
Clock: **1:14**
